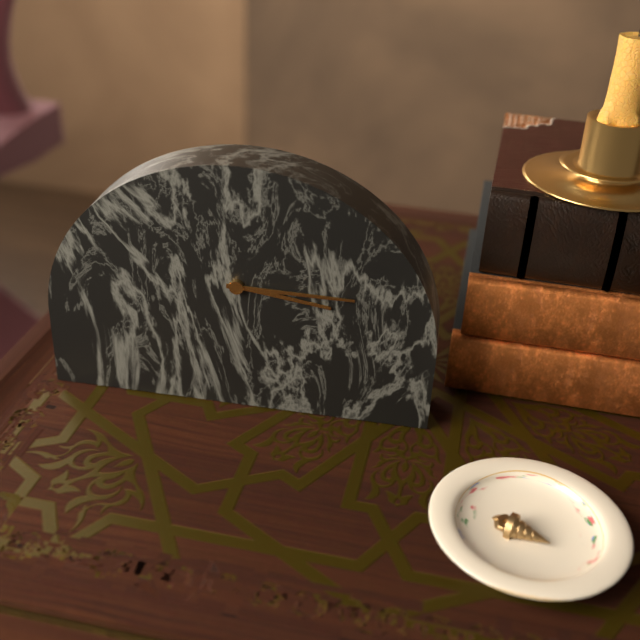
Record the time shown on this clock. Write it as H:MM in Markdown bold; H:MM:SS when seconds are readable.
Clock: **3:15**
